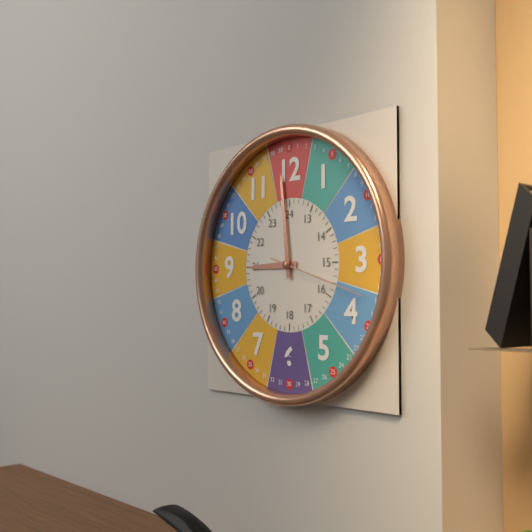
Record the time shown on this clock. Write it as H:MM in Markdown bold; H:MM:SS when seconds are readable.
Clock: **8:59:18**
